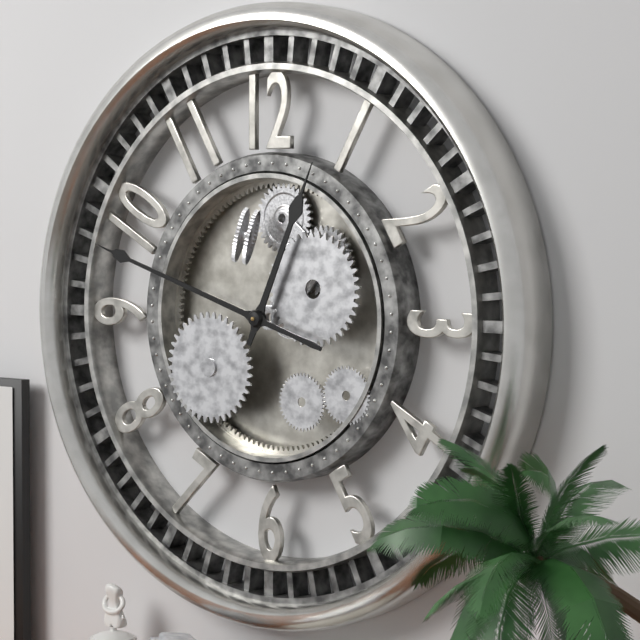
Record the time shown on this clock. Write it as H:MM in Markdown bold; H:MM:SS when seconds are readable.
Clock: **12:48**
